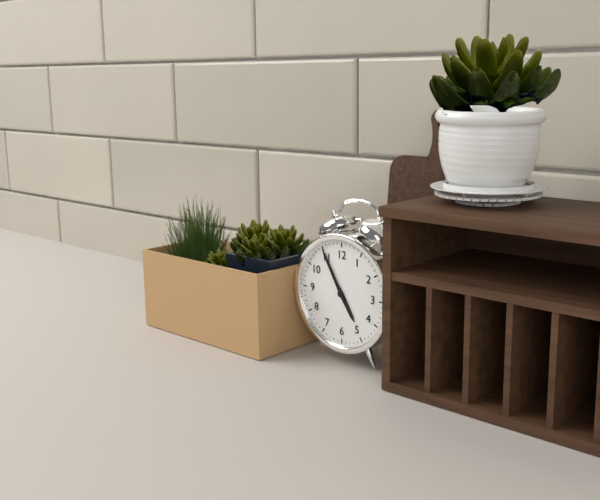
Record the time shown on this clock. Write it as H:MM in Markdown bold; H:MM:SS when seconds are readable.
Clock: **4:55**
